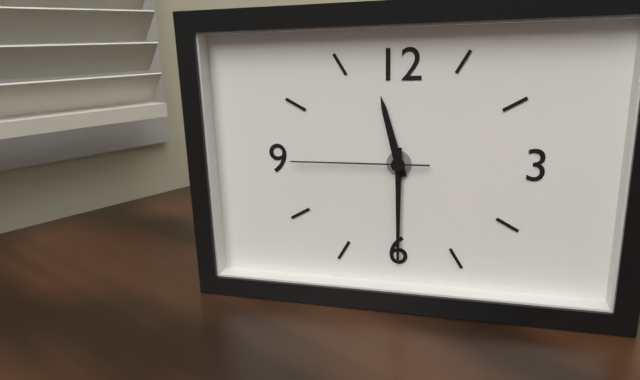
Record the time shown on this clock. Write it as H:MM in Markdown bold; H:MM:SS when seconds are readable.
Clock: **11:30:45**
